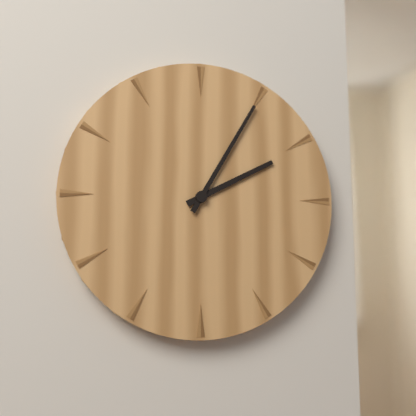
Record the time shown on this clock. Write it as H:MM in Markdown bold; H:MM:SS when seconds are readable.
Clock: **2:05**
